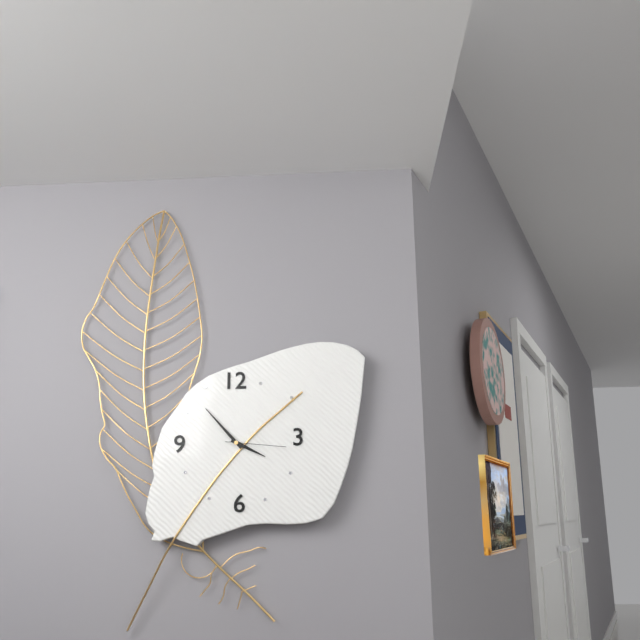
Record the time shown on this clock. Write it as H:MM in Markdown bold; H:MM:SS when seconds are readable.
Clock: **3:53:16**
